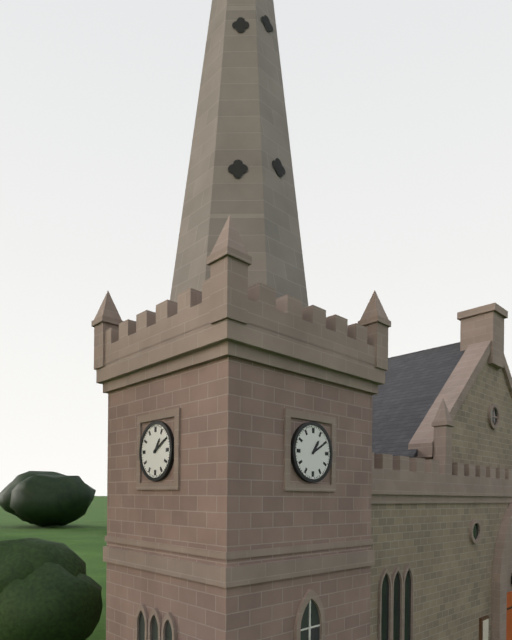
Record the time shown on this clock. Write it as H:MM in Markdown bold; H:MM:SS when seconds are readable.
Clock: **1:10**
